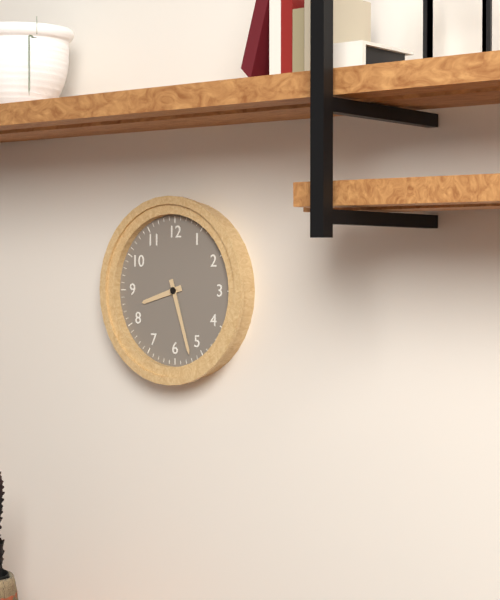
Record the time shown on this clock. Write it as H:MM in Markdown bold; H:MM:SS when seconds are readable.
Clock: **8:27**
